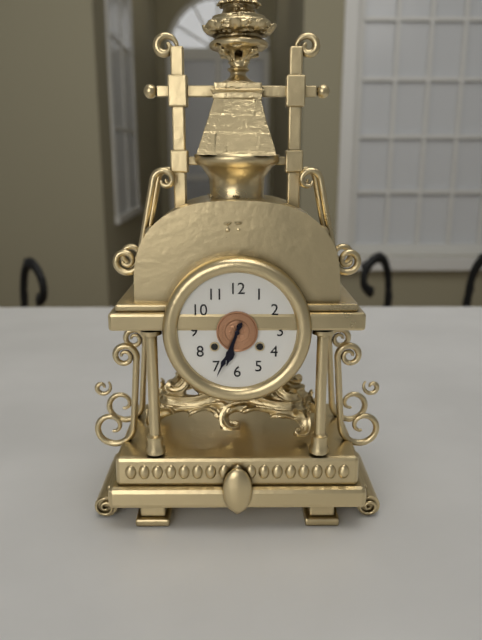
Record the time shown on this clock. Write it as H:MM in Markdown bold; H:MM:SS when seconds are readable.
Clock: **6:34**
